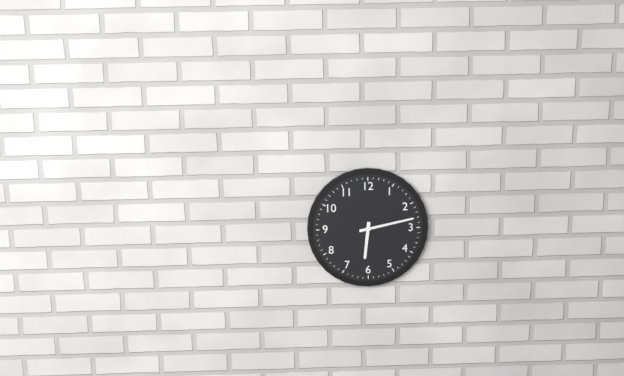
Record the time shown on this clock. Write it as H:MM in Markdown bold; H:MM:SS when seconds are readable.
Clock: **6:13**
